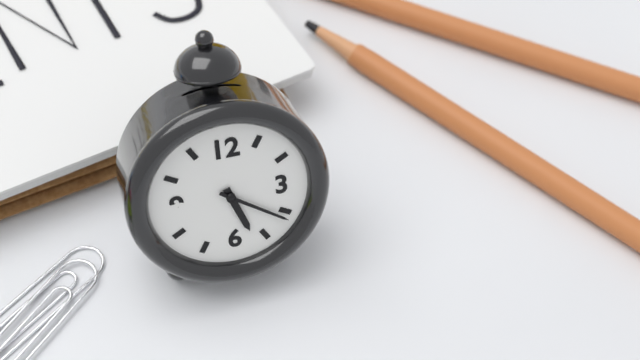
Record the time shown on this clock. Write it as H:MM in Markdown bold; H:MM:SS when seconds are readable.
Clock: **5:21**
